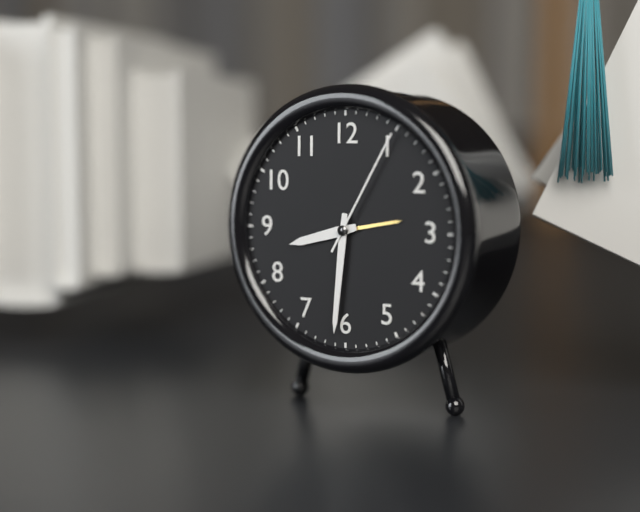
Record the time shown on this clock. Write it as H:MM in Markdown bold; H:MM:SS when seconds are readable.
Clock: **8:31:05**
